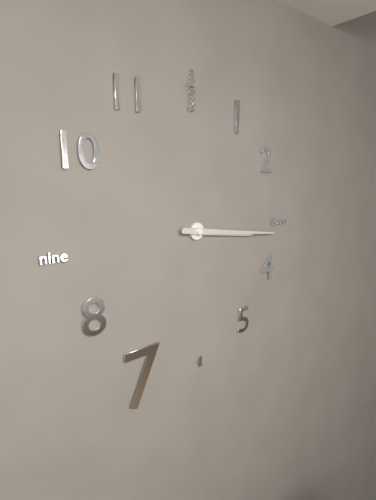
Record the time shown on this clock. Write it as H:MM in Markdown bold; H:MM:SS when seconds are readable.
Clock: **3:16**
